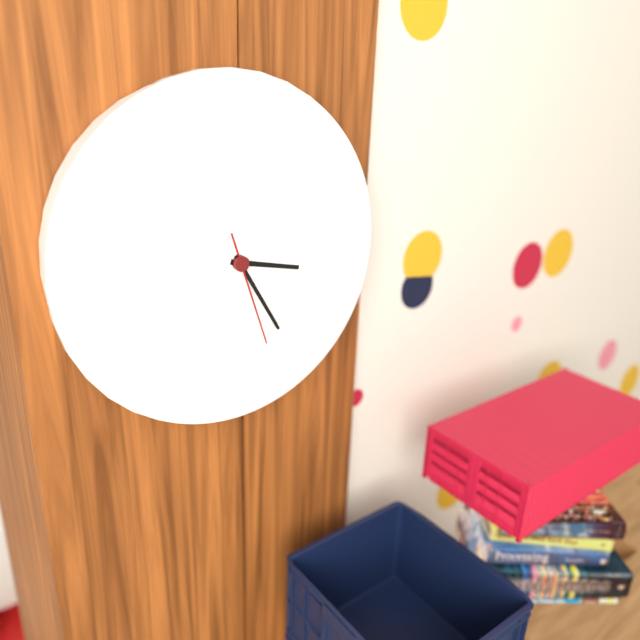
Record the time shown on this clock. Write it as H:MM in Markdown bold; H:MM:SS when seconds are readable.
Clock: **3:25:27**
